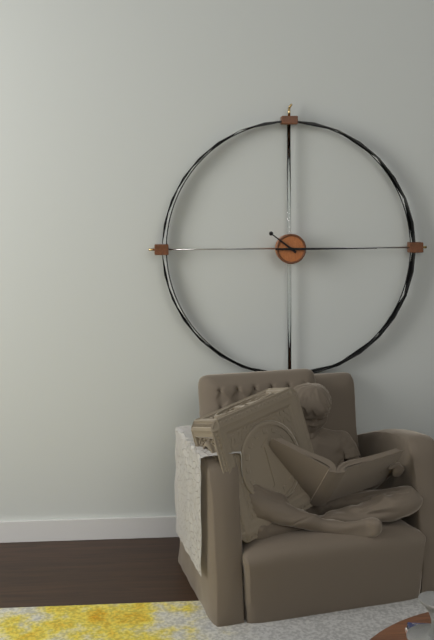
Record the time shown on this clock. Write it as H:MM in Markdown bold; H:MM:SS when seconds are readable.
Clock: **10:15**
